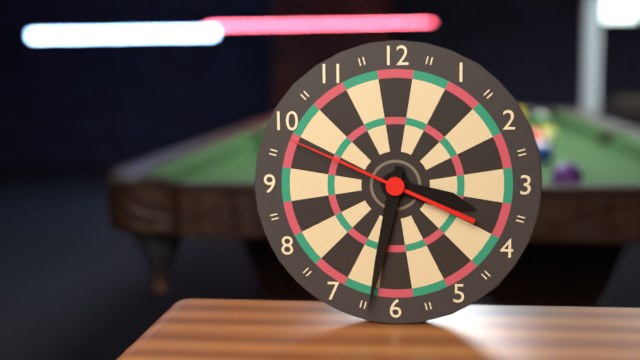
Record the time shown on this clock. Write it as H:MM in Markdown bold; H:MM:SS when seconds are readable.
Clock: **3:32:49**
